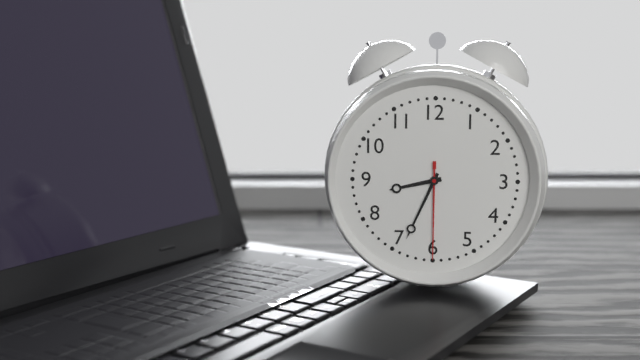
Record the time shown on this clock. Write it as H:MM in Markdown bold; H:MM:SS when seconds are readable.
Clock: **8:34:30**
